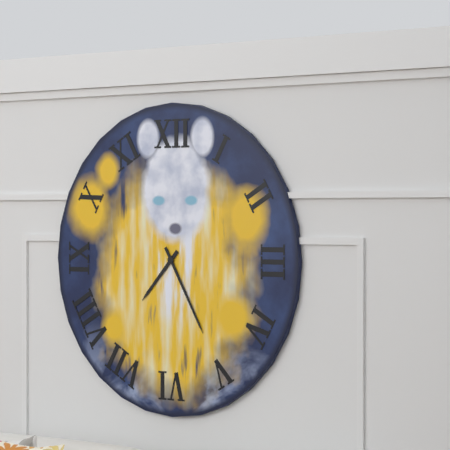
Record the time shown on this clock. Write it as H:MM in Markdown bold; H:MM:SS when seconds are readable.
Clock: **7:25**
